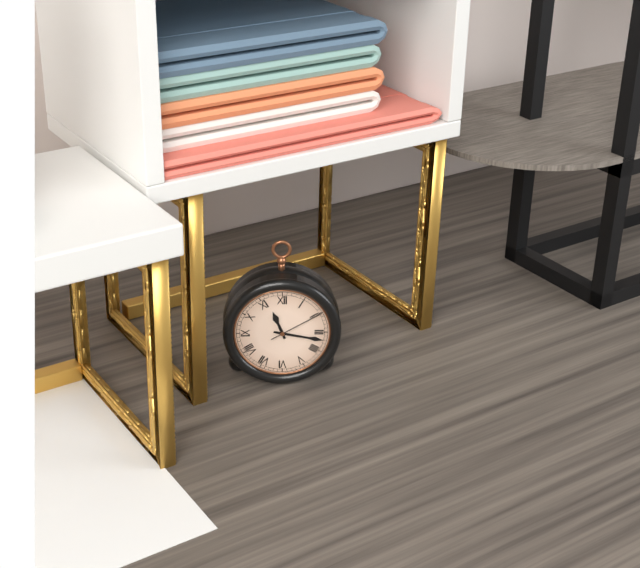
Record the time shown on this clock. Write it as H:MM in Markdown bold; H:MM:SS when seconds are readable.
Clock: **11:17:10**
